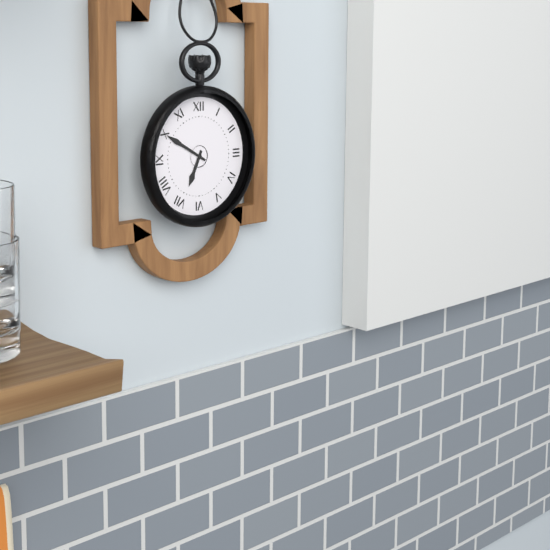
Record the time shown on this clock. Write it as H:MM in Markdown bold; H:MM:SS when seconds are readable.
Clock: **6:50**
